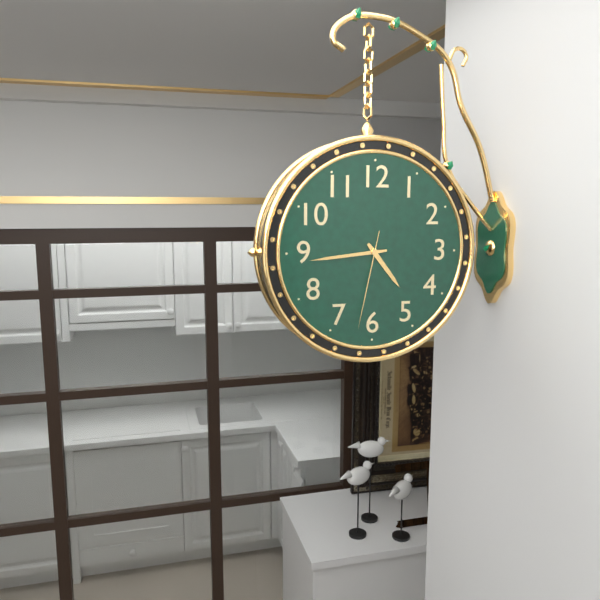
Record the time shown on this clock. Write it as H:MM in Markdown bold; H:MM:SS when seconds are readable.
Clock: **4:44:32**
